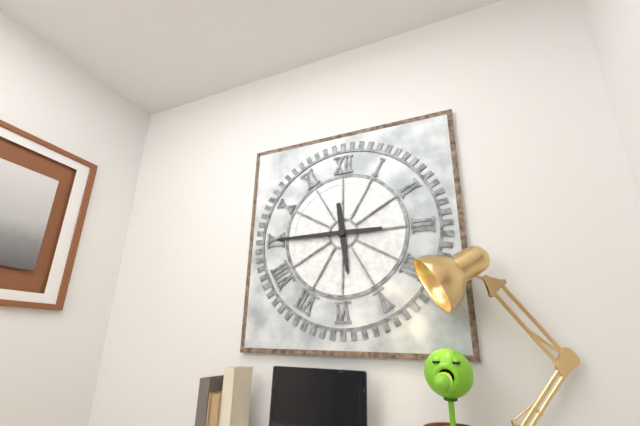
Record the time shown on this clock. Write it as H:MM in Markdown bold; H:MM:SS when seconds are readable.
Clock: **5:45**
